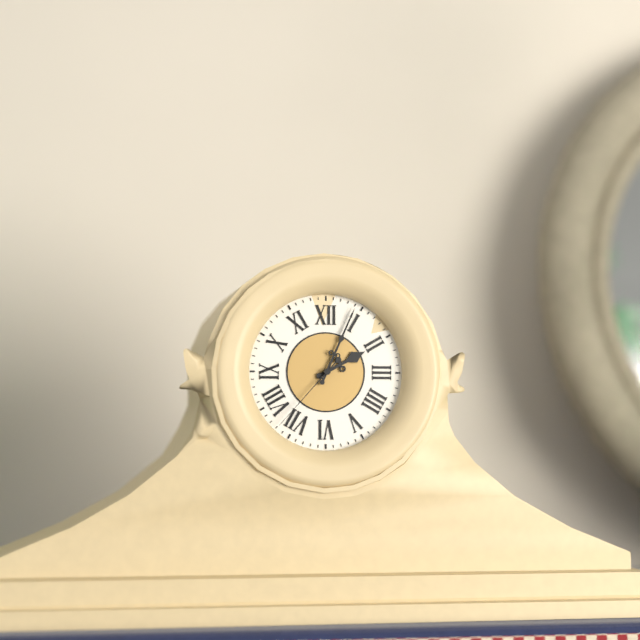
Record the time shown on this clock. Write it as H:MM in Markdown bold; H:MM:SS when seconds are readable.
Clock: **2:04:37**
